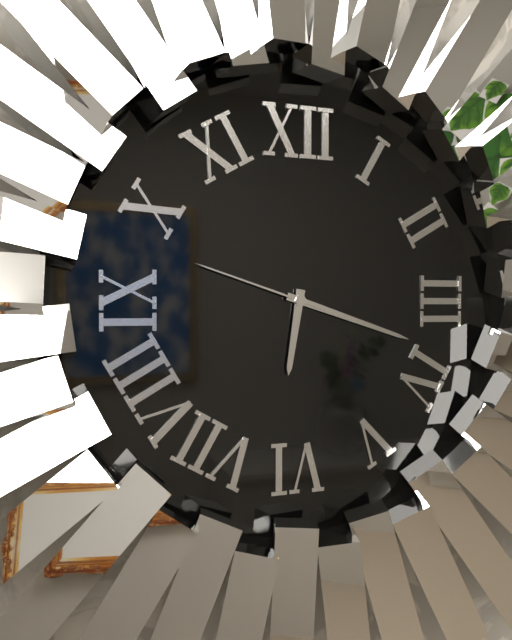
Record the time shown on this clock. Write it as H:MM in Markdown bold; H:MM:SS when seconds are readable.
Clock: **6:18:48**
